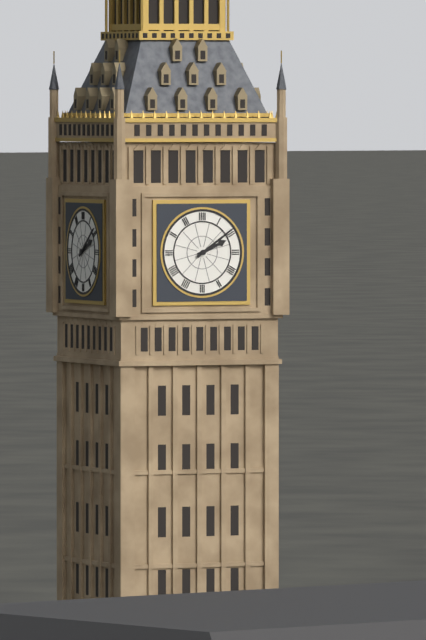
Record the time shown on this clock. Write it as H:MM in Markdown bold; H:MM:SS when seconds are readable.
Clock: **2:09**
